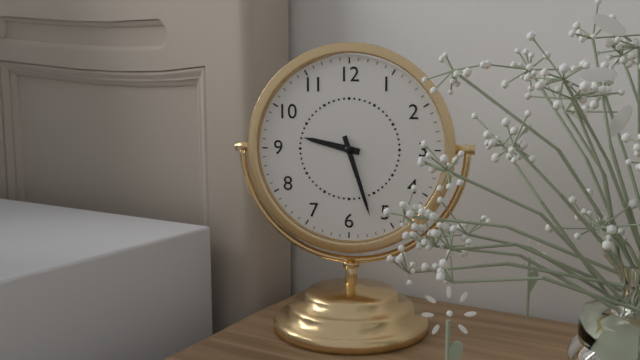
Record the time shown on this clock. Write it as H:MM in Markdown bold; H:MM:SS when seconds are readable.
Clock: **9:27**
